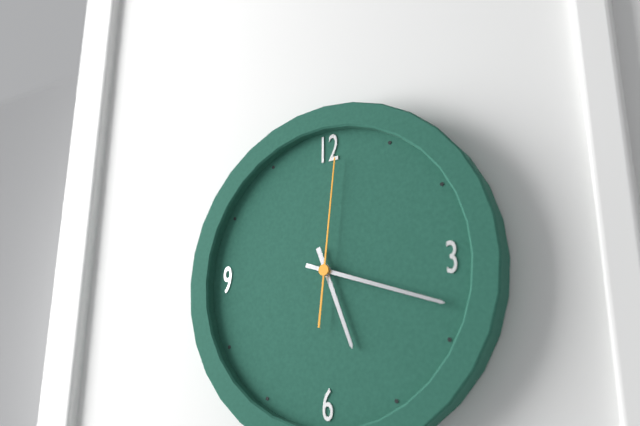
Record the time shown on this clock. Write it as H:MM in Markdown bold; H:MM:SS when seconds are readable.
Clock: **5:18:01**
